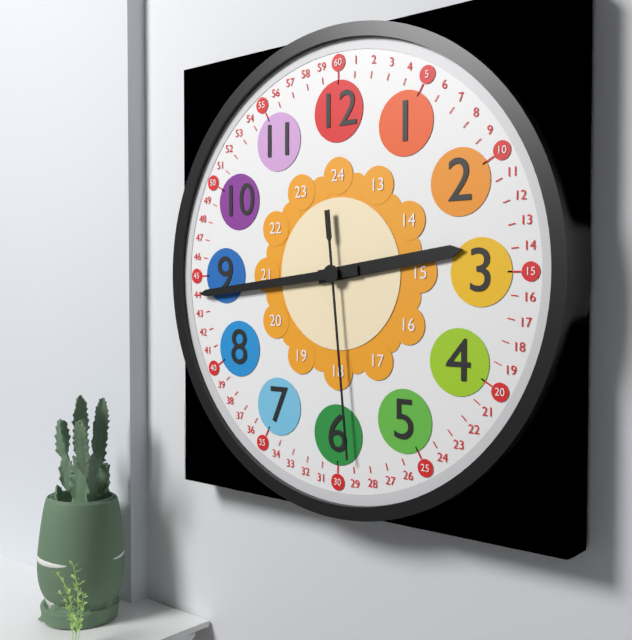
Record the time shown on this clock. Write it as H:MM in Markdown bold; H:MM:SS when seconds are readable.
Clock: **2:44:29**
